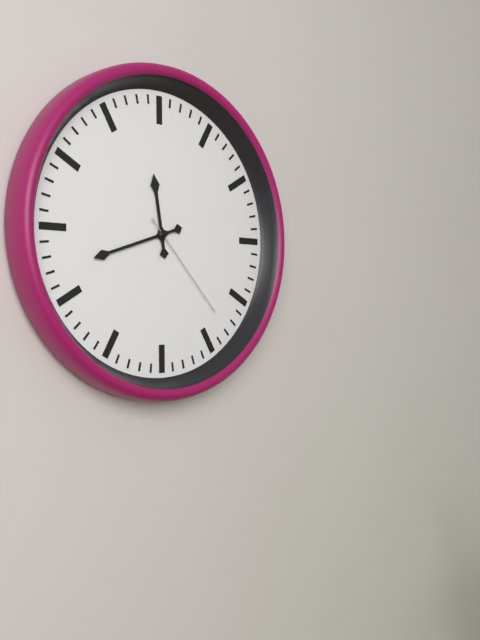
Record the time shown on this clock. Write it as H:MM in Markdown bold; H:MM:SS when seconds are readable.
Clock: **11:42:23**
